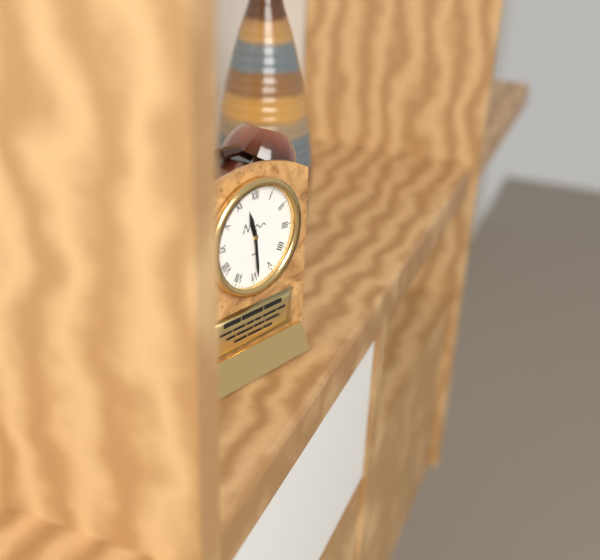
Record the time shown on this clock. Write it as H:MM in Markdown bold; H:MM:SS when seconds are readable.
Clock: **11:29**
